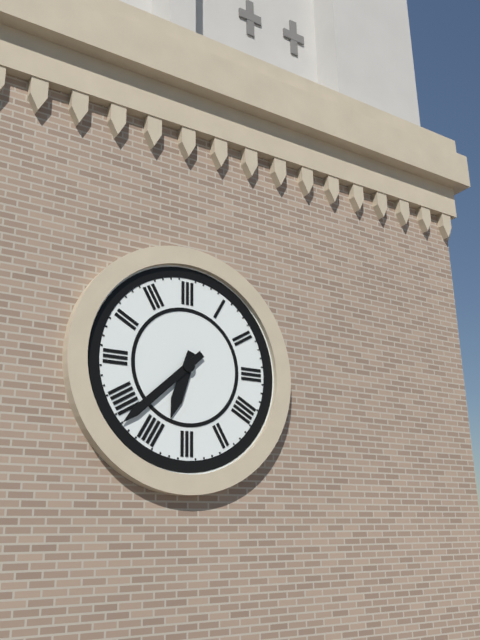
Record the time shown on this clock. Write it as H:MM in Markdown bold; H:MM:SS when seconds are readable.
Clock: **6:38**
